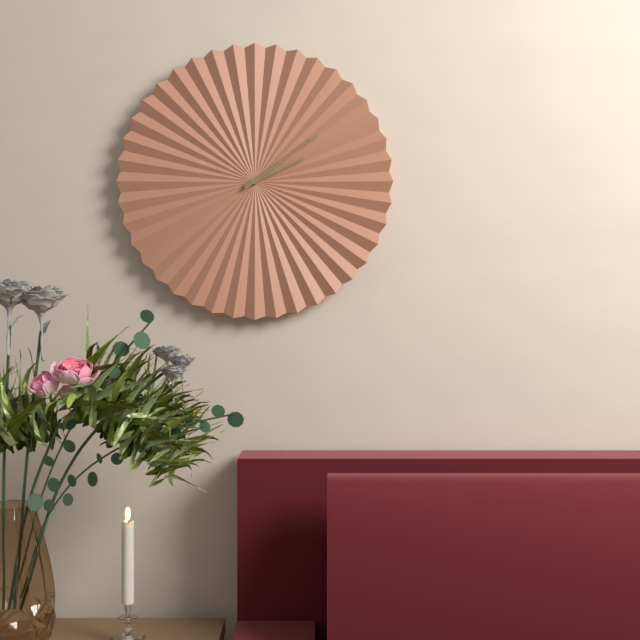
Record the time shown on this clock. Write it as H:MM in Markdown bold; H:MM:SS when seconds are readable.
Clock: **2:09**
